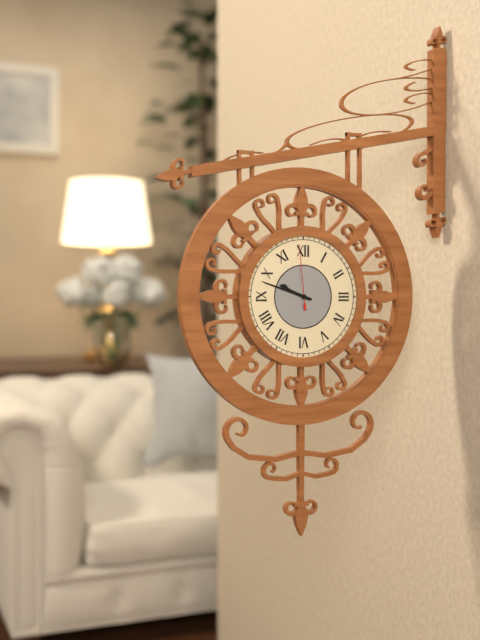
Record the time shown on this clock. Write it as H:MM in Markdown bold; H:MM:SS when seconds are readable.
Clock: **9:48:59**
